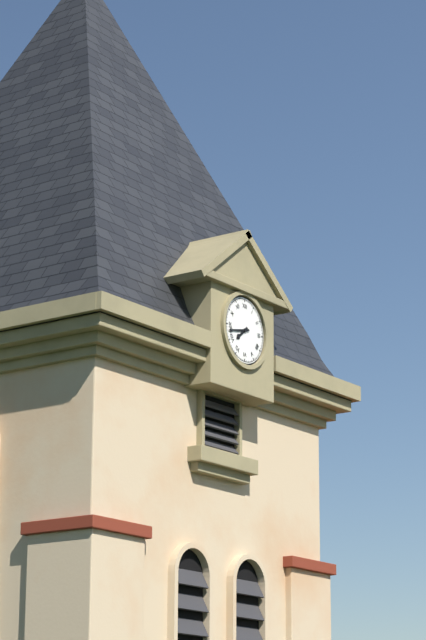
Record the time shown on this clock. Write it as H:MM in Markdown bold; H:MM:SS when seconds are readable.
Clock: **7:43**
